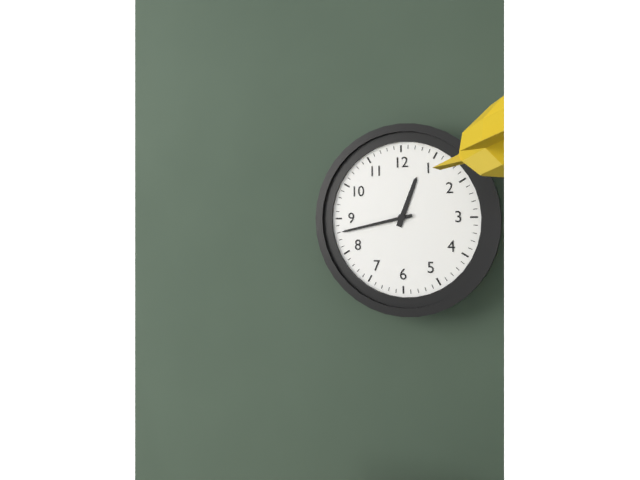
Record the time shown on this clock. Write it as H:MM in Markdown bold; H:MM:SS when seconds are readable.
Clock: **12:43**
